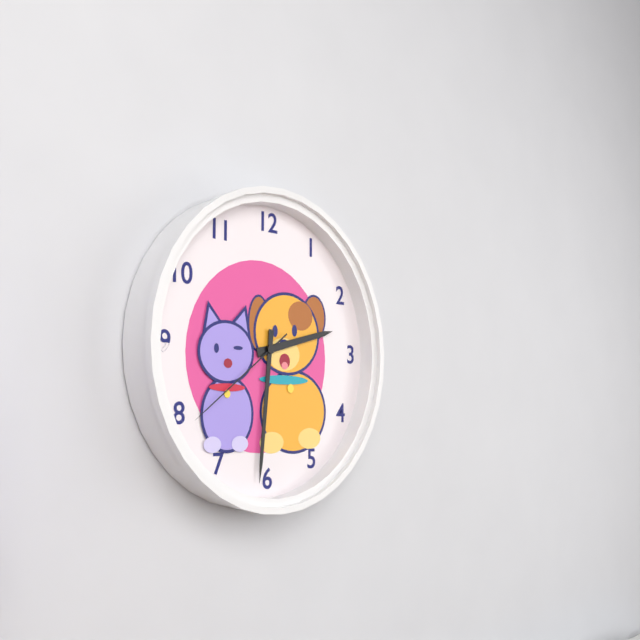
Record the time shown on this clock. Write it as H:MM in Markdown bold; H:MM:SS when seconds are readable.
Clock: **2:31:39**
